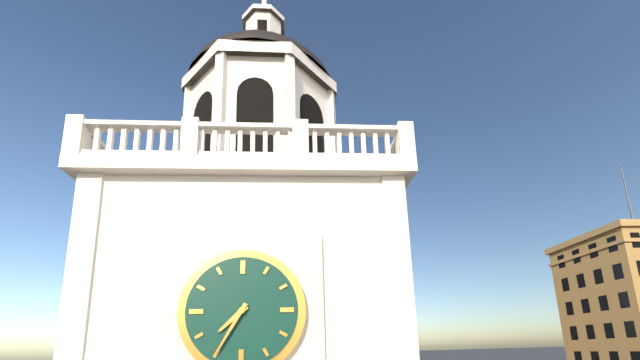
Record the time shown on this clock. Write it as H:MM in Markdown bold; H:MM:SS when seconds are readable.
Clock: **7:35**
